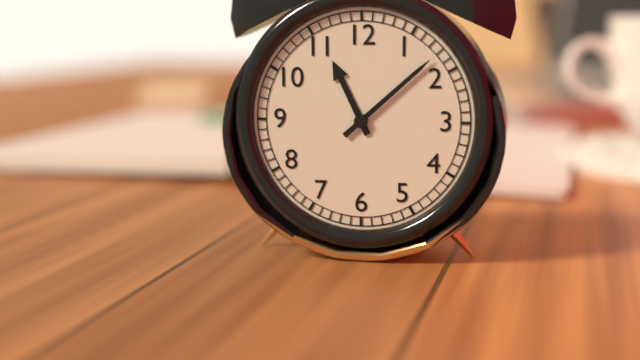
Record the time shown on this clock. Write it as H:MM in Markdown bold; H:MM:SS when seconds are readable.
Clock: **11:08**
